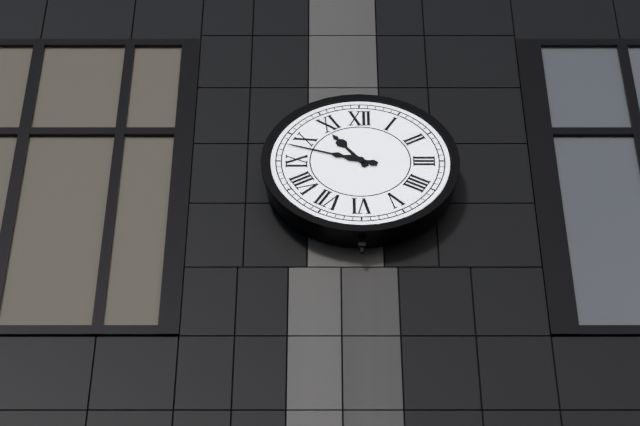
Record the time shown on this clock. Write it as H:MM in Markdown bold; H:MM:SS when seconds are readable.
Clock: **10:48**
